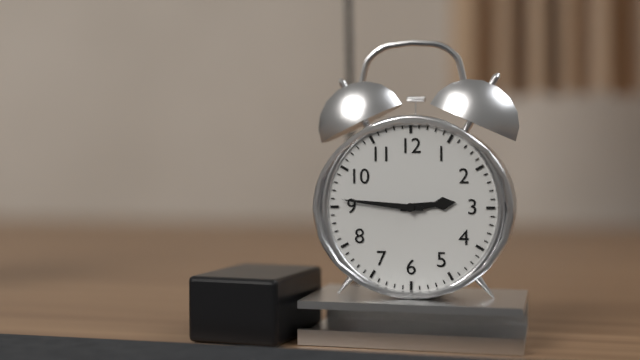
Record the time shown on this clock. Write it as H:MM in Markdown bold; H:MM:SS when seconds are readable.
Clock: **2:46**
